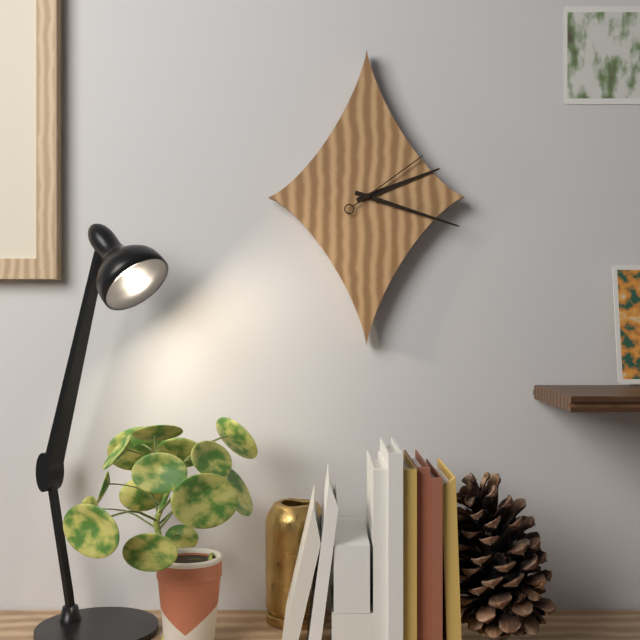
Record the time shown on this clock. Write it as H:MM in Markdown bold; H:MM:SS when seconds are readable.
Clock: **2:18:09**
